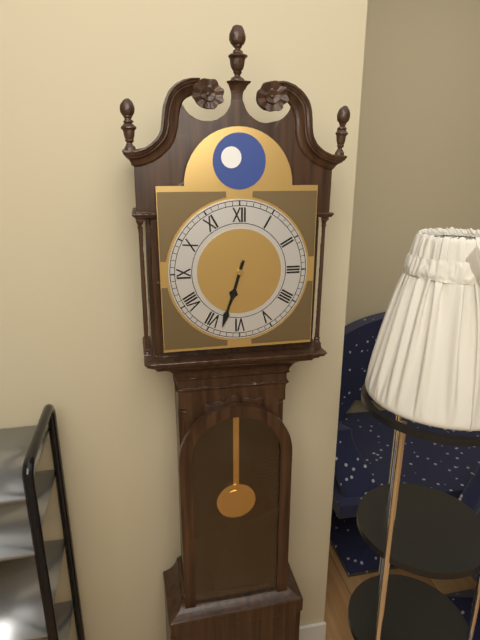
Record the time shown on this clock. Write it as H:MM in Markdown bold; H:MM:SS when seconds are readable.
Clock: **6:33**
